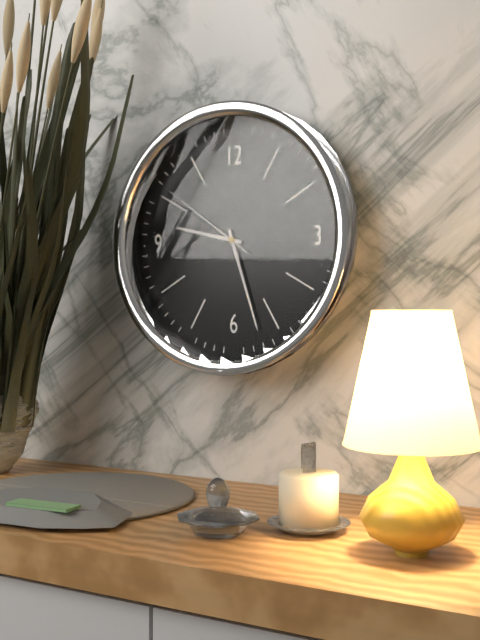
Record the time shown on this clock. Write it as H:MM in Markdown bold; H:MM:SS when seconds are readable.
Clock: **9:27:51**
